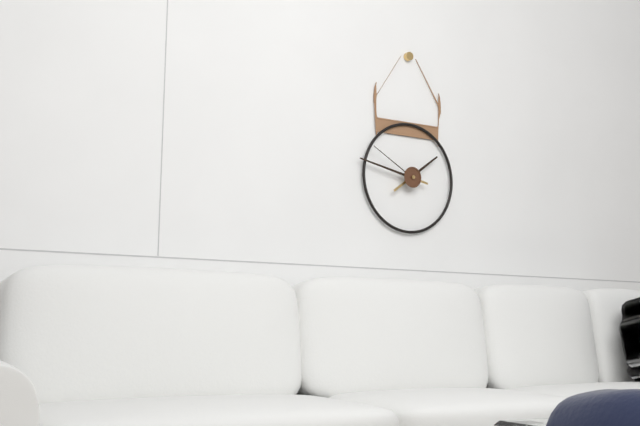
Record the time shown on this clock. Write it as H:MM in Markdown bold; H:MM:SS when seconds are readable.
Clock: **1:47:50**
